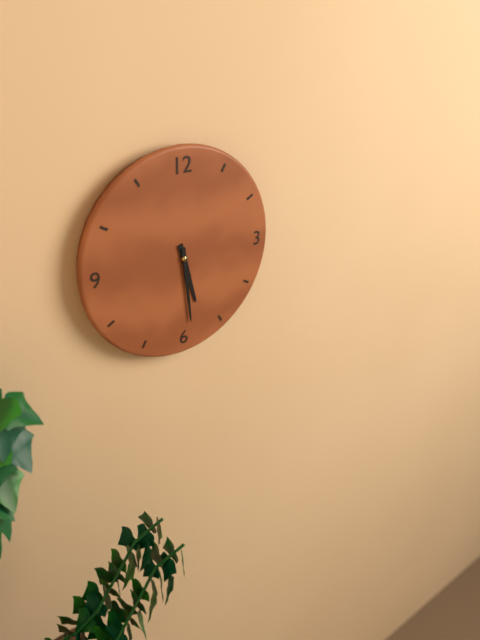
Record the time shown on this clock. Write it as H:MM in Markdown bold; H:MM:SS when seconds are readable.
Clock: **5:29**
